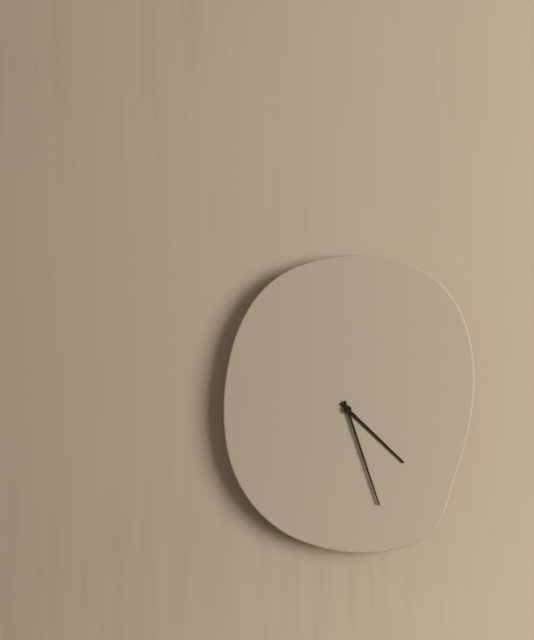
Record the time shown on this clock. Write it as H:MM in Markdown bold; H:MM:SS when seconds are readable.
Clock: **4:27**
